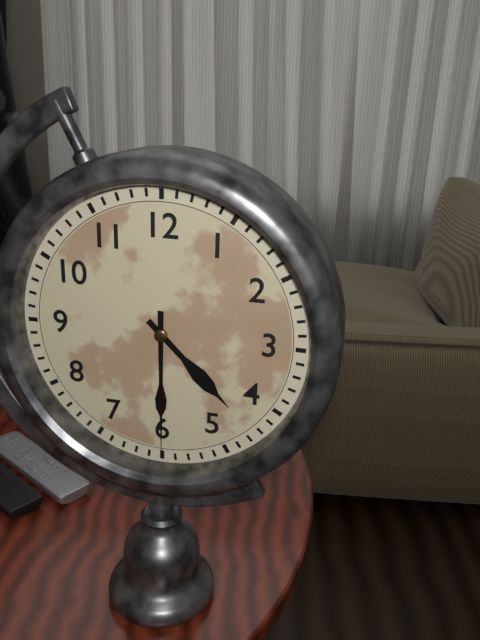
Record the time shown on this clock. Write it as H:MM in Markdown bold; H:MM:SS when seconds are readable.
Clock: **4:30**
